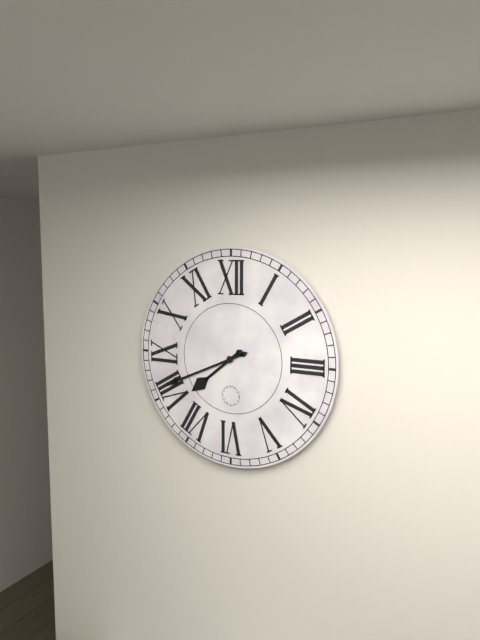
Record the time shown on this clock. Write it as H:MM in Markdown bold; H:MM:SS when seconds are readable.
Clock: **7:41**
